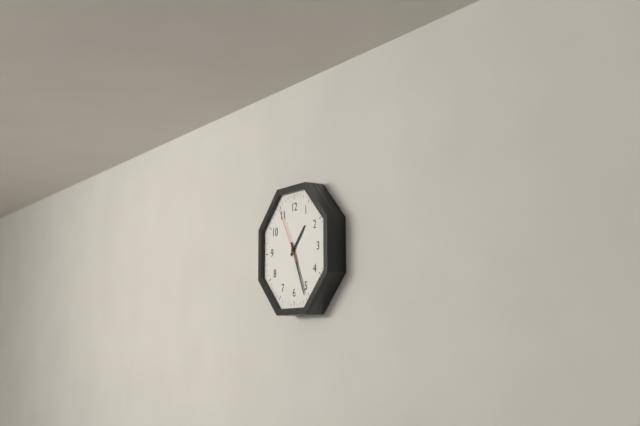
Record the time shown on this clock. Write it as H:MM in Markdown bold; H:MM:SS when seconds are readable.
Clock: **1:26:55**
